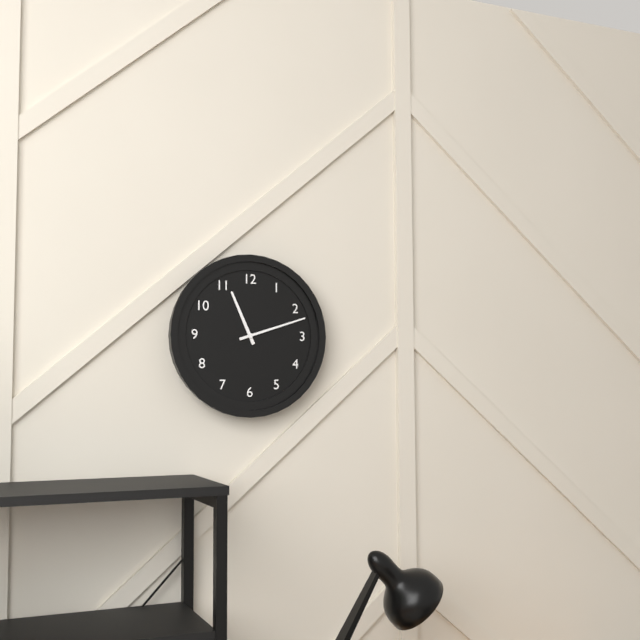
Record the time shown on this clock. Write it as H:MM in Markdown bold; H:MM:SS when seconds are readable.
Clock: **11:12**
